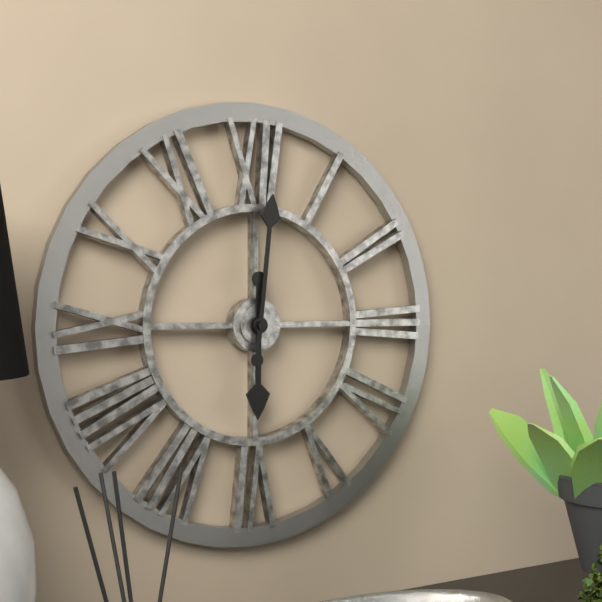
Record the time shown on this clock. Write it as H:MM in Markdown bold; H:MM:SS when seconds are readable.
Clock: **6:01**
